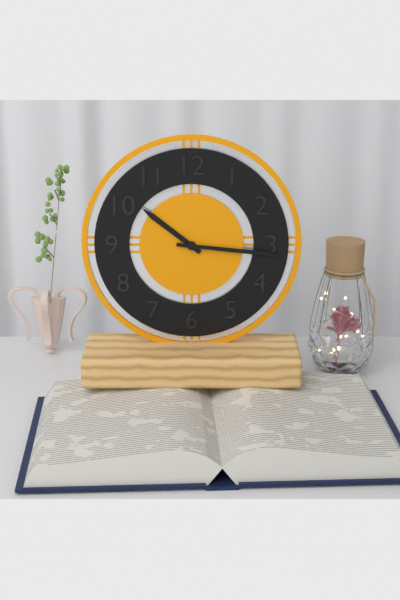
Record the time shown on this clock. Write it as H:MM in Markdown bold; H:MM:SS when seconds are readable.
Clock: **10:16**
